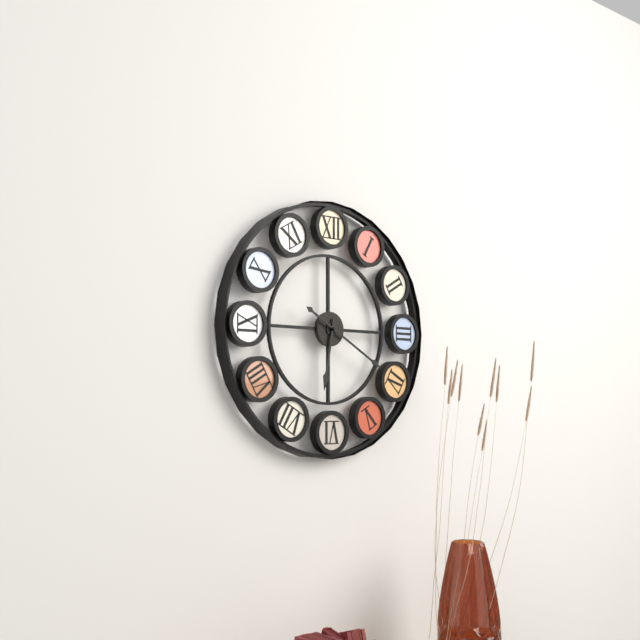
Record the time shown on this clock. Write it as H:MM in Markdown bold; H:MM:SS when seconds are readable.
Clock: **6:20**
